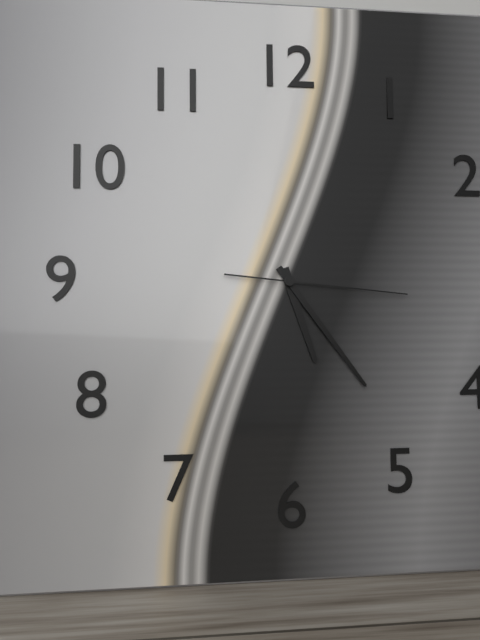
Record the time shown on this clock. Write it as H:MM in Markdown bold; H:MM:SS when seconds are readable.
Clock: **5:24:16**
